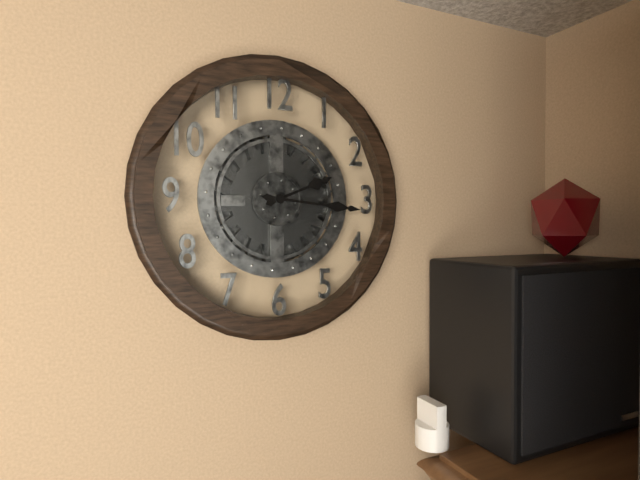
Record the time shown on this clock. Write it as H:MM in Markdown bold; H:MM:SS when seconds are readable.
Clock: **2:16**
